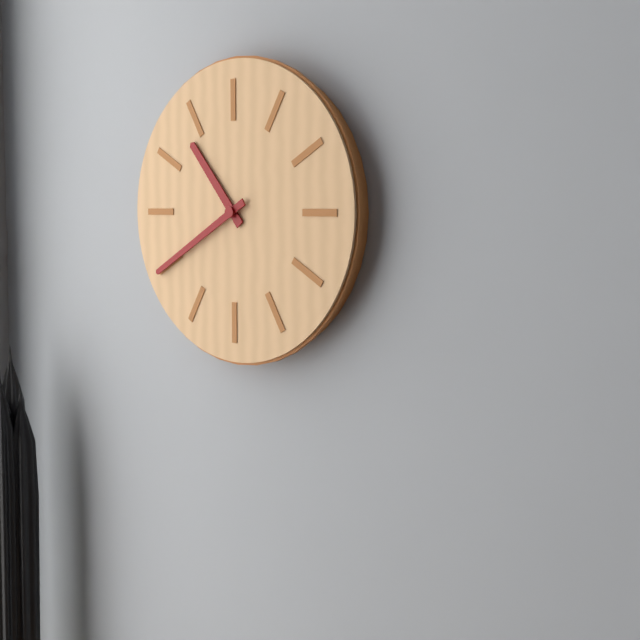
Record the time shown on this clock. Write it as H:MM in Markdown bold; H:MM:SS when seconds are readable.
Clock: **10:40**
